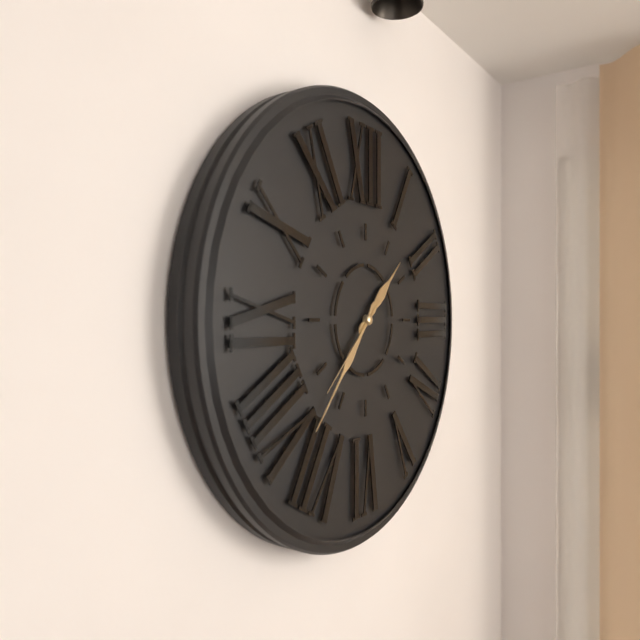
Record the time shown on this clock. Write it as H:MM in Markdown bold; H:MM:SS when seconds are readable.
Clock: **1:37:38**
